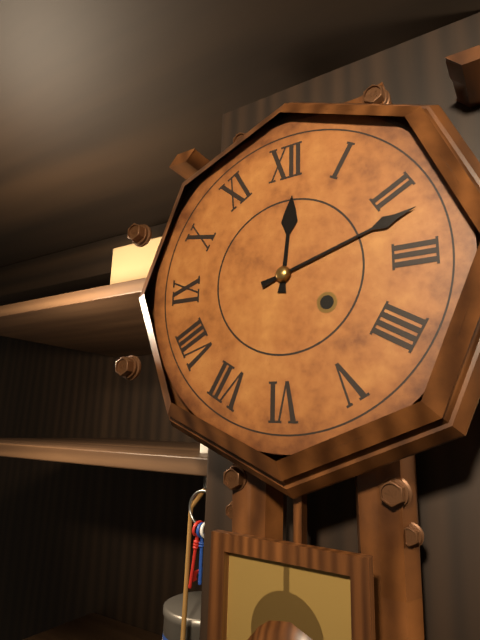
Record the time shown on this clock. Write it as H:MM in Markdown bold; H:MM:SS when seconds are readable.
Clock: **12:12**
